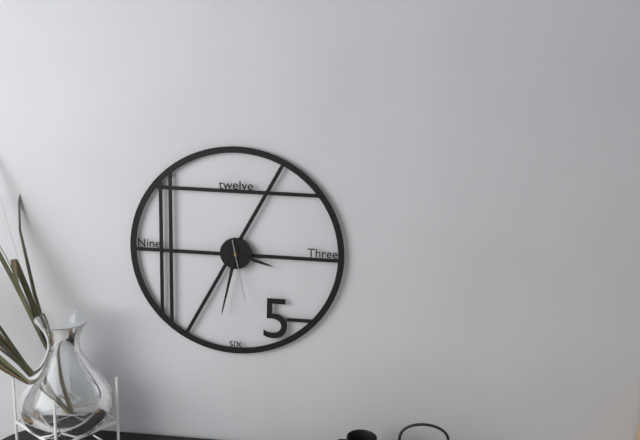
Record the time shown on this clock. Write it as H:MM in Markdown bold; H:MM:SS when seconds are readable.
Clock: **3:32:28**
